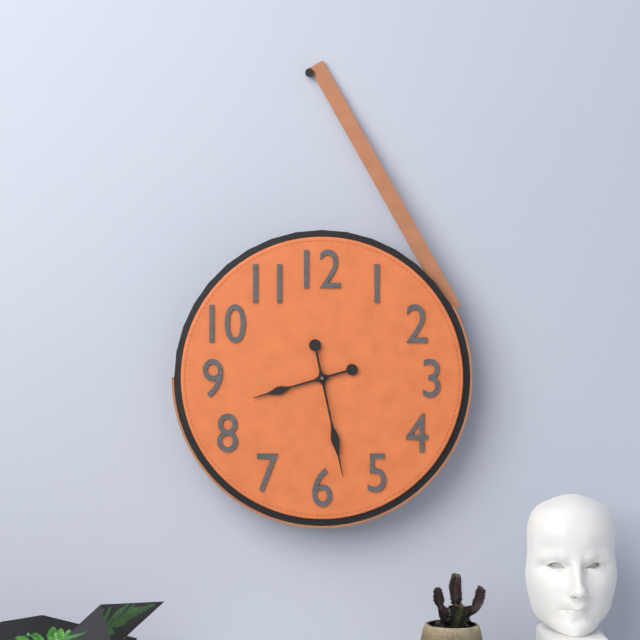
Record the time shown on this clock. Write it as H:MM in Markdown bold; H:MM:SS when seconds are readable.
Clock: **8:28**
